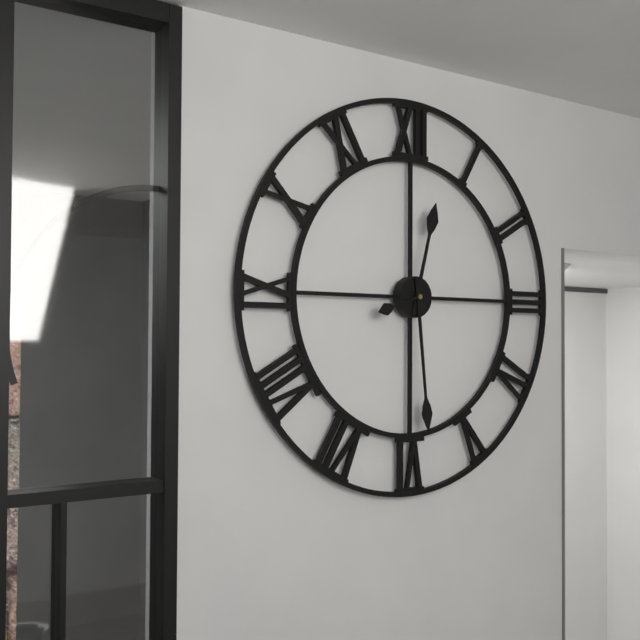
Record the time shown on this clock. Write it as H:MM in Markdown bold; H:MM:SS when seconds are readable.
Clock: **12:29**
